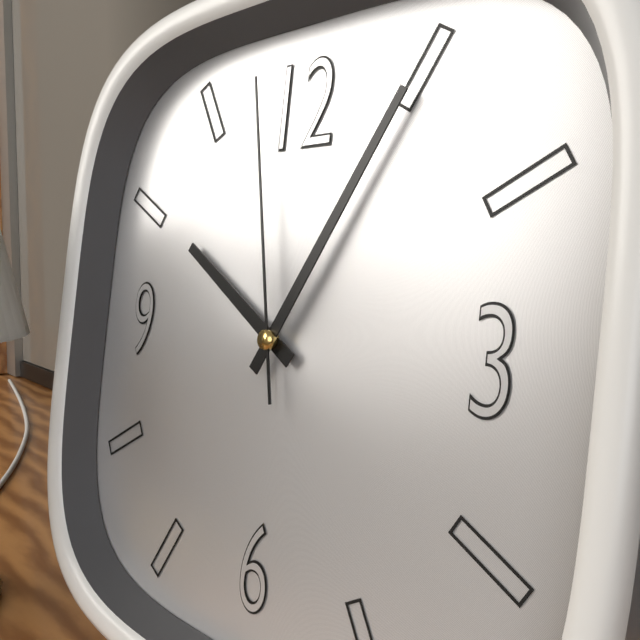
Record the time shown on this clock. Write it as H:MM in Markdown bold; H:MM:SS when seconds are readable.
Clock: **10:05:58**
